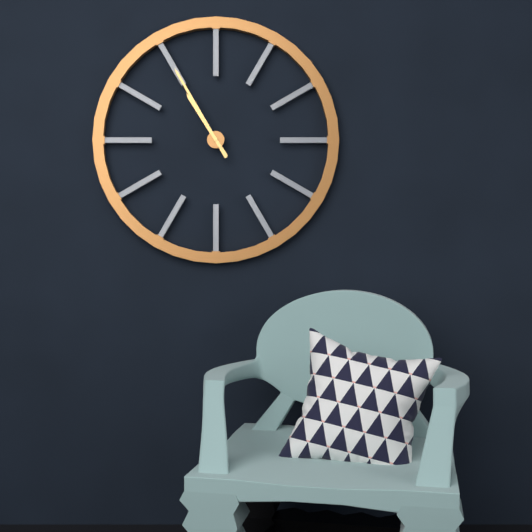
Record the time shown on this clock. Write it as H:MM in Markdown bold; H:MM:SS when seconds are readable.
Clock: **10:55**
